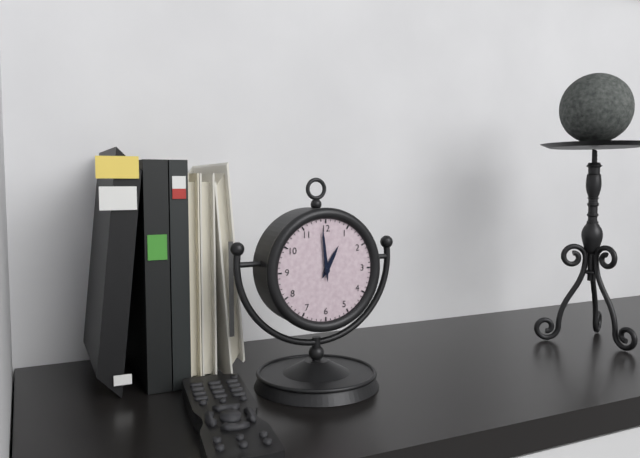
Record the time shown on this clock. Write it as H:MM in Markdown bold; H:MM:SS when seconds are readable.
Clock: **12:59**
